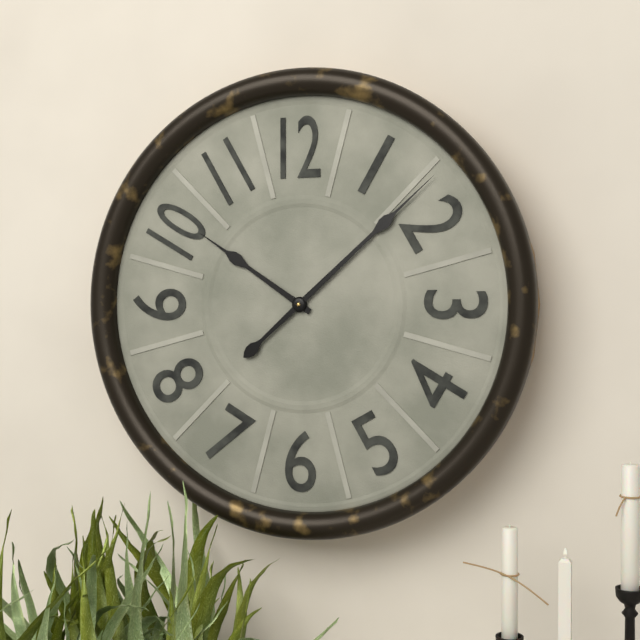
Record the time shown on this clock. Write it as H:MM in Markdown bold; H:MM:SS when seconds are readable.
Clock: **10:08**
